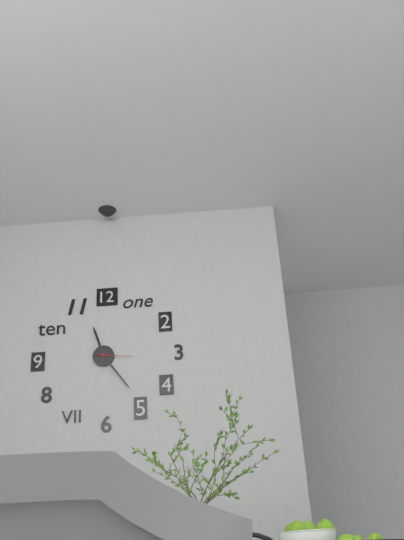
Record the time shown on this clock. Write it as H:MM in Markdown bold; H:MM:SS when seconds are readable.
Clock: **11:24**
